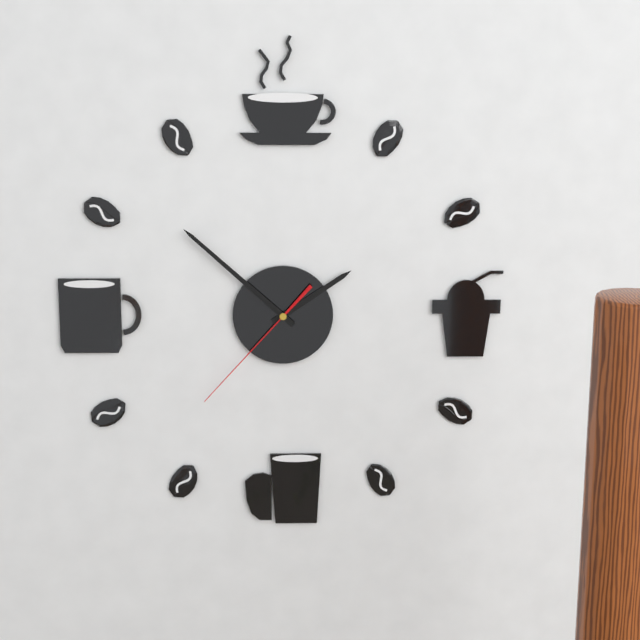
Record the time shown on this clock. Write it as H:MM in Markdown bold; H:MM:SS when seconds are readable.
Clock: **1:52:37**
